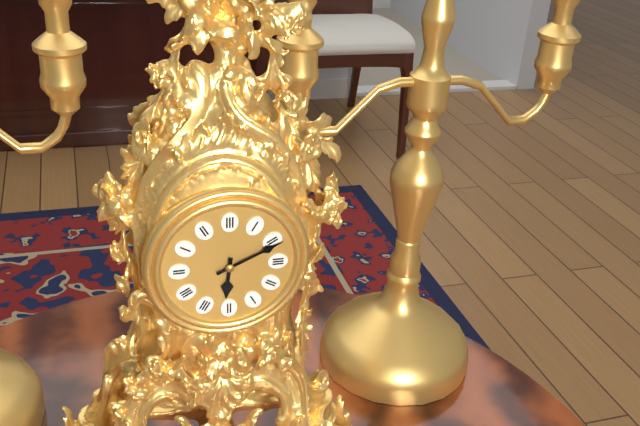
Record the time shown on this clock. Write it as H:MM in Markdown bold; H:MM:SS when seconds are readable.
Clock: **6:11**
